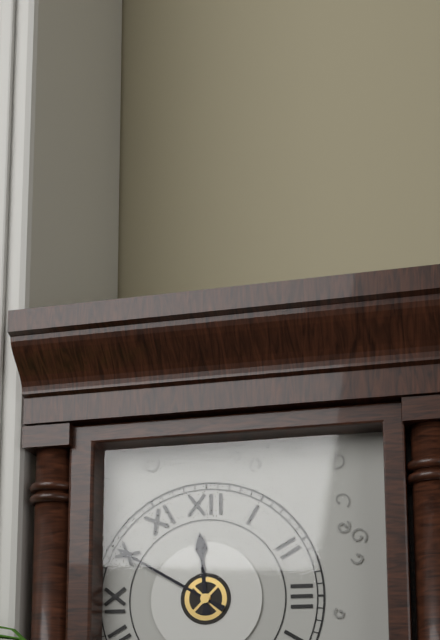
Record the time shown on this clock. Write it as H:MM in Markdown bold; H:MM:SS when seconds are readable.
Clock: **11:50**
